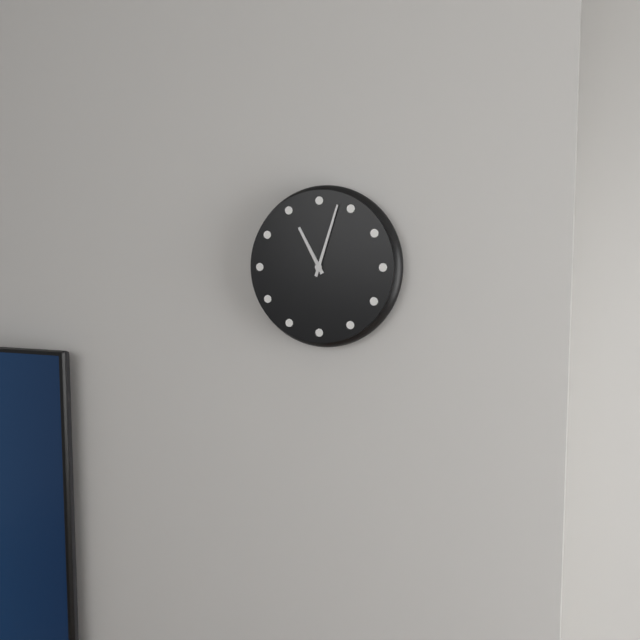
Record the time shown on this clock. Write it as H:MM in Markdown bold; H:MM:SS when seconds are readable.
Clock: **11:03**
